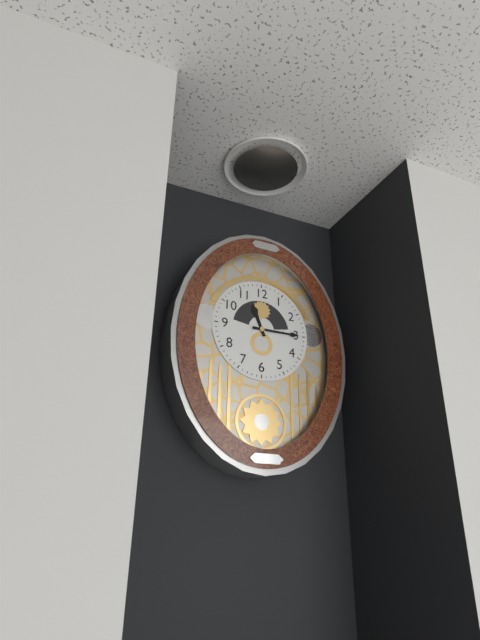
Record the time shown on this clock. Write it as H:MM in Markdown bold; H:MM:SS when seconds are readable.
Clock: **11:15**
